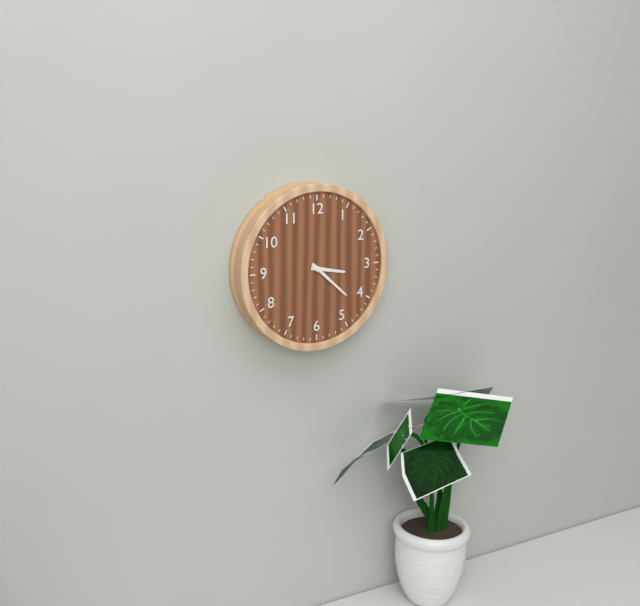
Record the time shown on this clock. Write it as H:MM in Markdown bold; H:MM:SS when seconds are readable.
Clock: **3:22**
